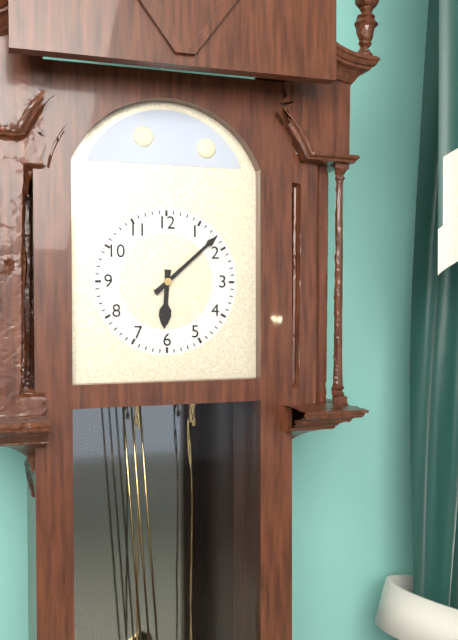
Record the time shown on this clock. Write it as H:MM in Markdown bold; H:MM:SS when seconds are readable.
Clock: **6:08**
